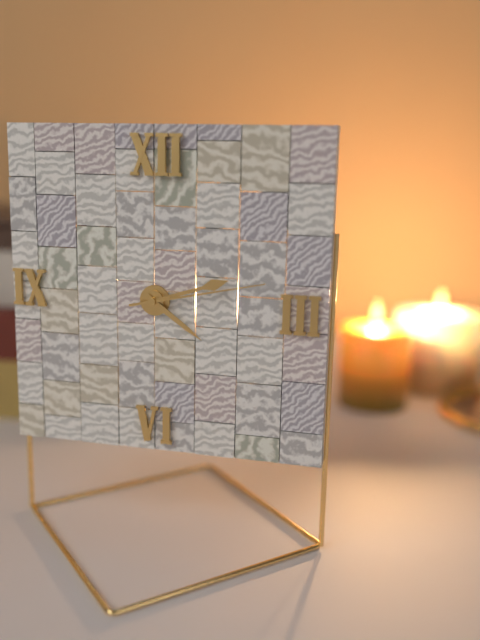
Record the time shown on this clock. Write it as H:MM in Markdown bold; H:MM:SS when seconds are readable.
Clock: **4:12:13**
